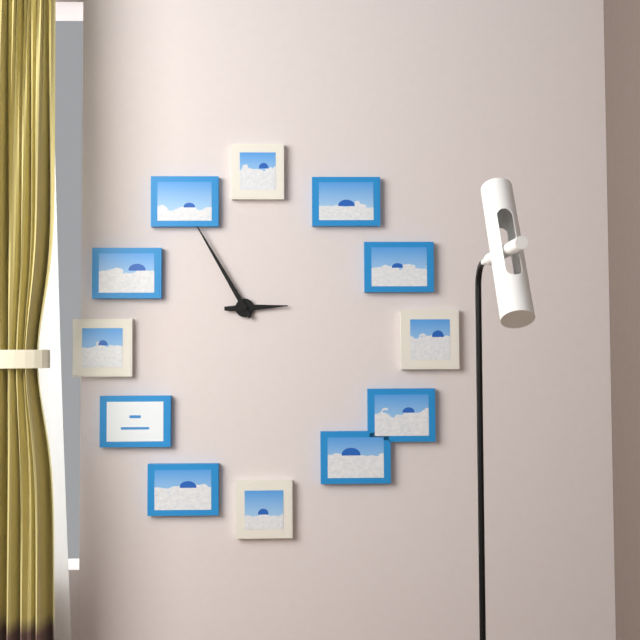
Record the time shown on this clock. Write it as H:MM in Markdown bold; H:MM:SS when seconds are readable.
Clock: **2:55**
